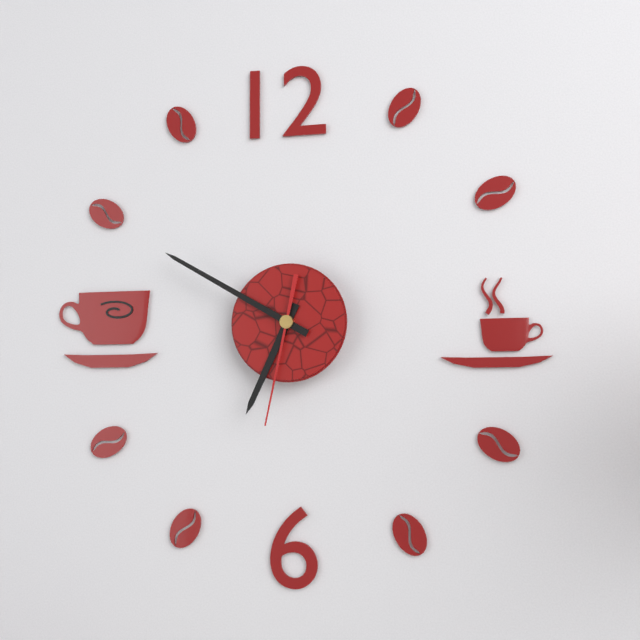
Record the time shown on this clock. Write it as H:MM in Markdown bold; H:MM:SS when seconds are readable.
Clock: **6:50:32**
